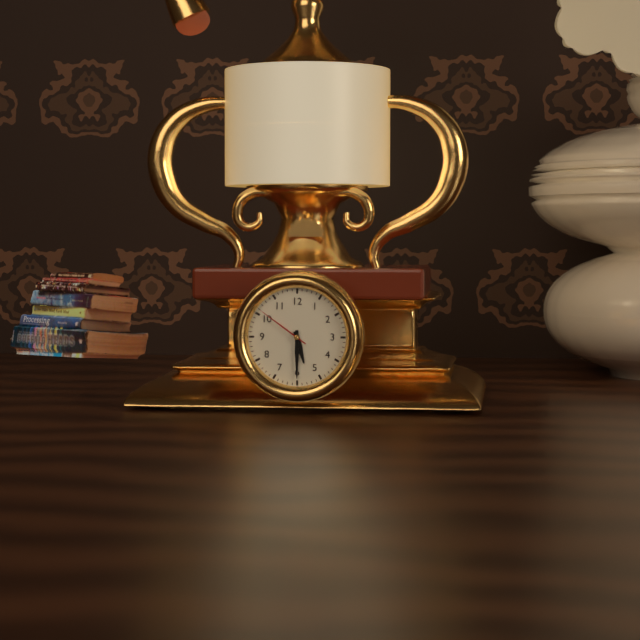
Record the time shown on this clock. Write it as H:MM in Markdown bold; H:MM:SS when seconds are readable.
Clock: **5:30:51**
